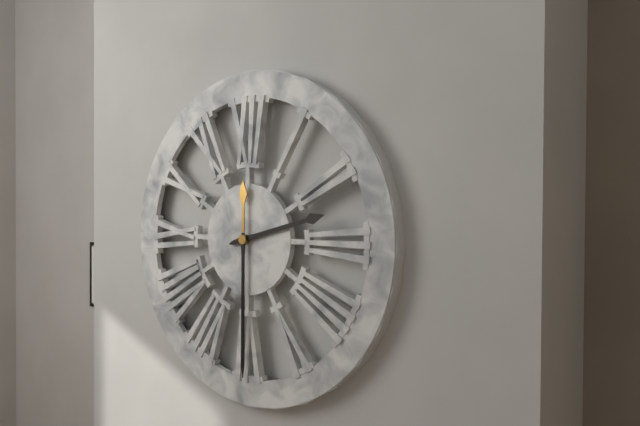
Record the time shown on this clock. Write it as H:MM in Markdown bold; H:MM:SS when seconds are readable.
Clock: **2:30**
